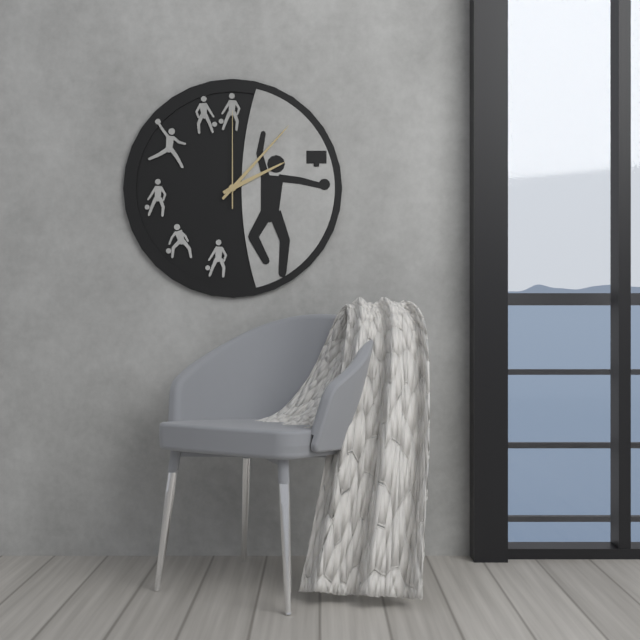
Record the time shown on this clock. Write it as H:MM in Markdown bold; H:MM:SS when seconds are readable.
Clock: **2:07:00**
